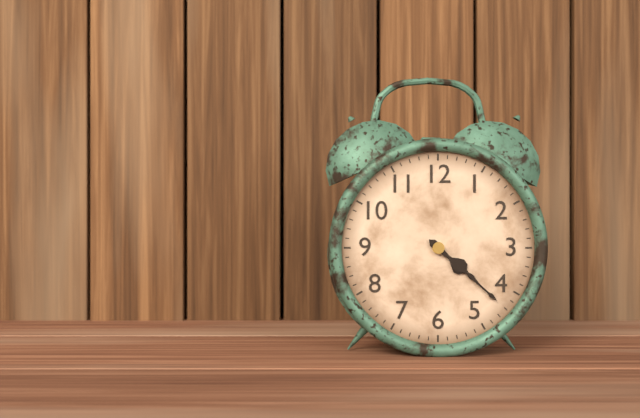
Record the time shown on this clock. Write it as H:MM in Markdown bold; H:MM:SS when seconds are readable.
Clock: **4:22**
